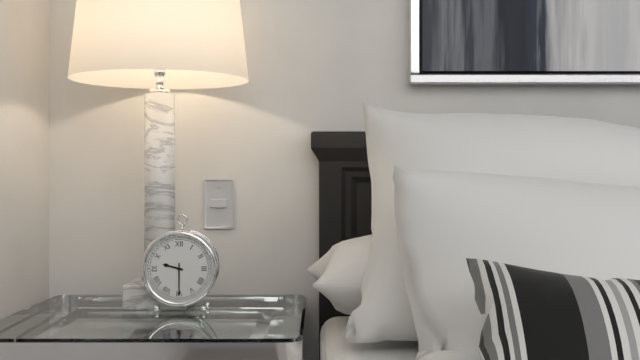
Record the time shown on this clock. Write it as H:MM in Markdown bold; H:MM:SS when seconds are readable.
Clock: **9:30**
